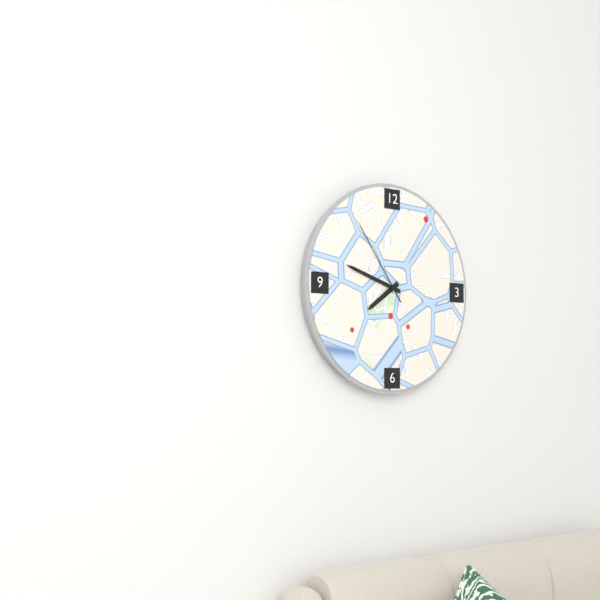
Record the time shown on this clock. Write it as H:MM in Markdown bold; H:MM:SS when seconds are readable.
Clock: **7:48:54**
